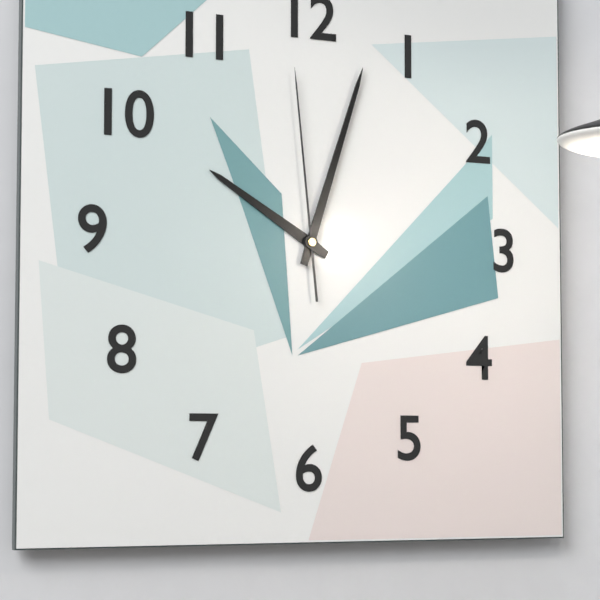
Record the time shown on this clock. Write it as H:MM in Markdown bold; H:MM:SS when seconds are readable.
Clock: **10:03:59**
